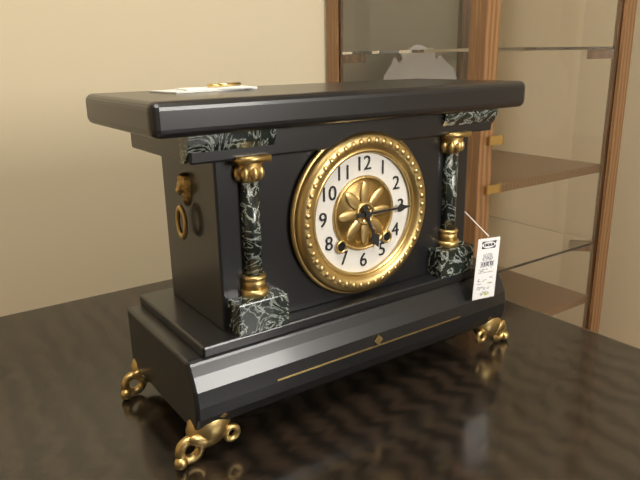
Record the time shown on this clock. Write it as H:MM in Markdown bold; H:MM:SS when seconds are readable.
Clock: **5:15**
